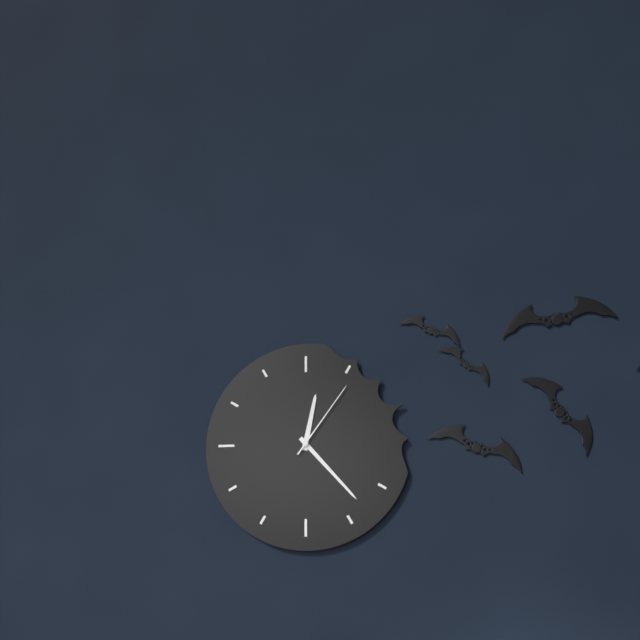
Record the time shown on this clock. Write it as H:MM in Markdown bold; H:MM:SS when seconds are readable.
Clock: **12:23:06**
